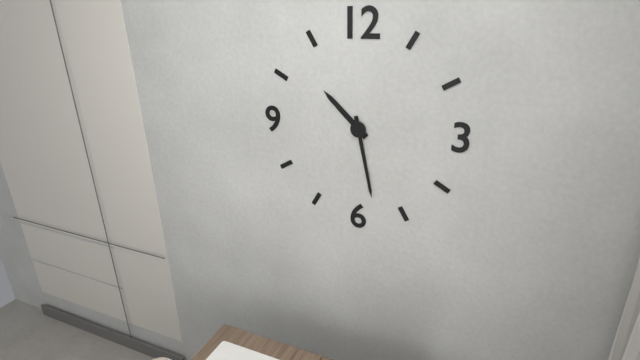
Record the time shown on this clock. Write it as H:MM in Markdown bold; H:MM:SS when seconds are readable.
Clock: **10:28**
